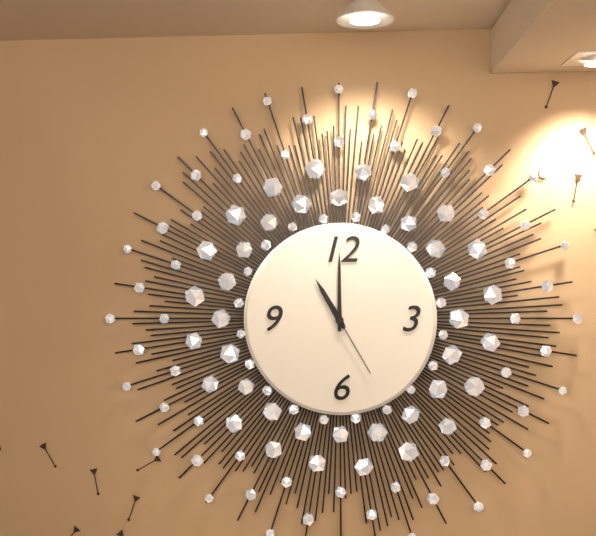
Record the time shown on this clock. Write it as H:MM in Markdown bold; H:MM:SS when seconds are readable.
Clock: **11:00:25**
